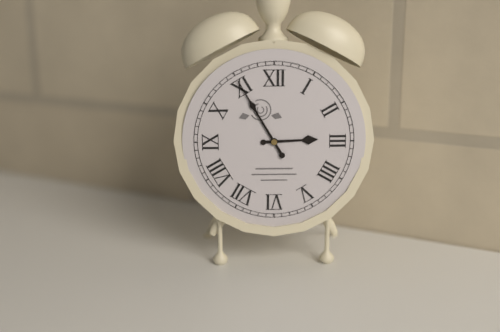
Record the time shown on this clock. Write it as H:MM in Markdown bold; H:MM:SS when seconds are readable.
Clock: **2:55**
